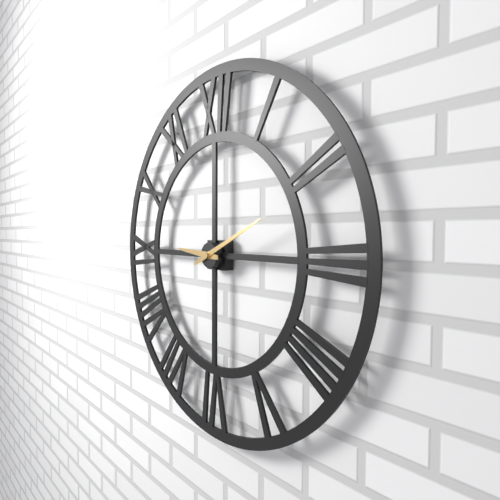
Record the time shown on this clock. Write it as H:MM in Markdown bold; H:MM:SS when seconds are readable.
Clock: **9:11**
